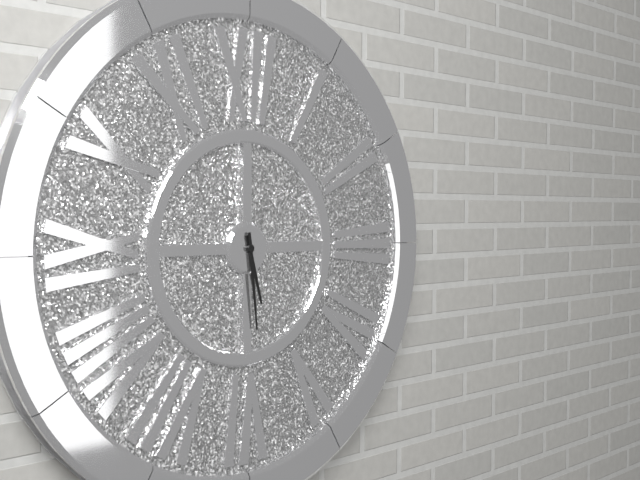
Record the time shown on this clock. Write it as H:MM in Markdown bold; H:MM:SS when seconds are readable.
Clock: **5:29**
